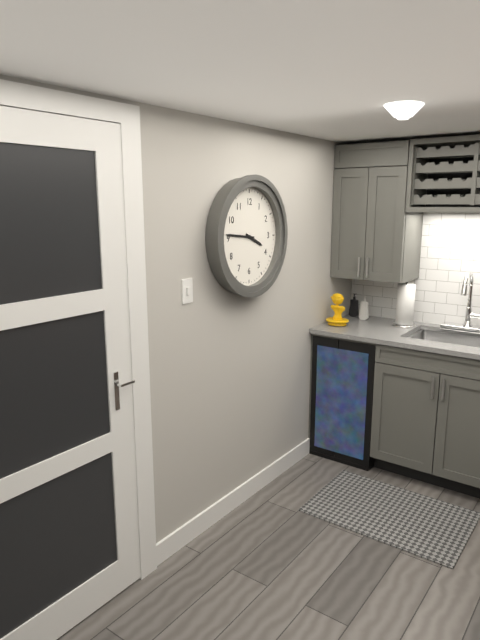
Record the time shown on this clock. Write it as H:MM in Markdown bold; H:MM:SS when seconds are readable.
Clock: **3:46**
